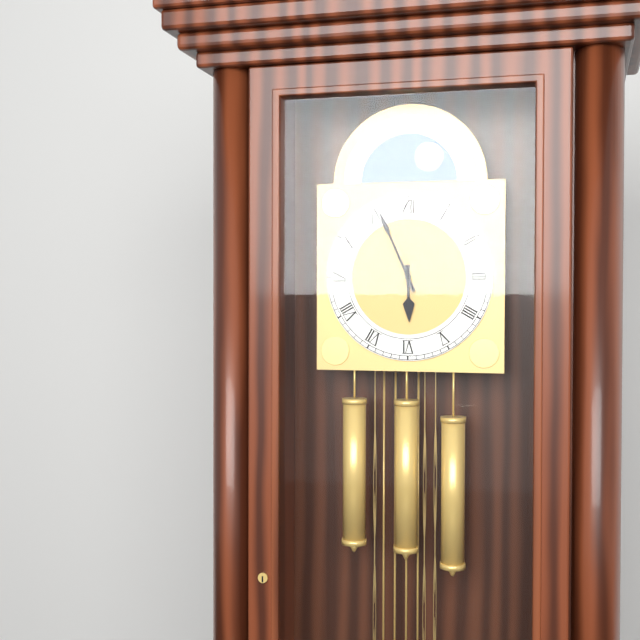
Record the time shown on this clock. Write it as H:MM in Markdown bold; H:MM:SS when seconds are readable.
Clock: **5:56**
